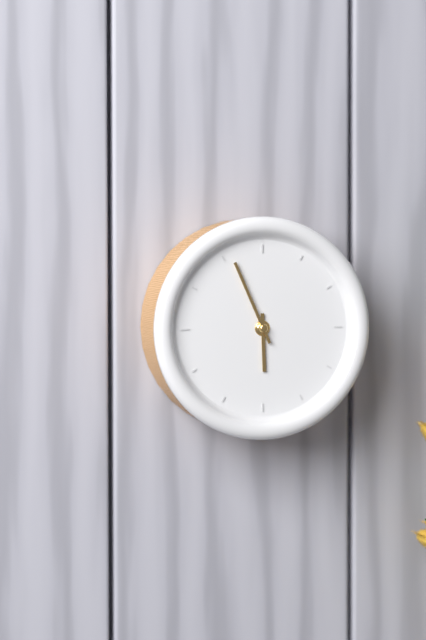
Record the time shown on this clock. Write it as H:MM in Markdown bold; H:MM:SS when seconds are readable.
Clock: **5:56**
